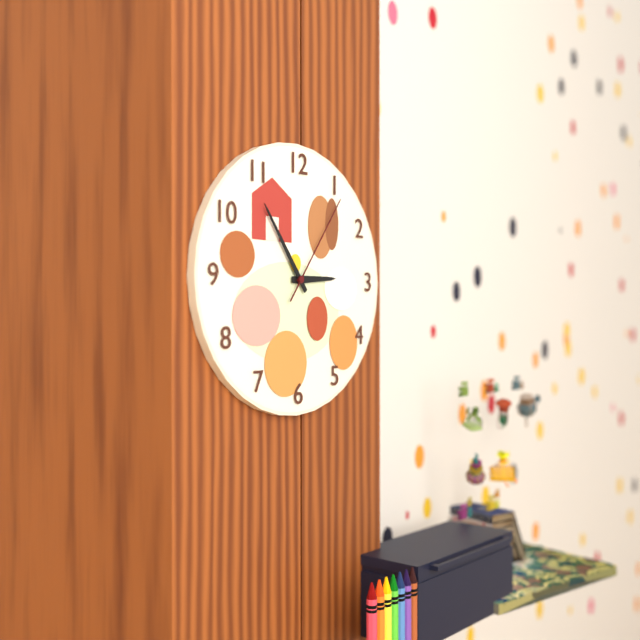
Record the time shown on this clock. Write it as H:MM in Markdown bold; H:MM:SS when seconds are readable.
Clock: **2:54:06**
